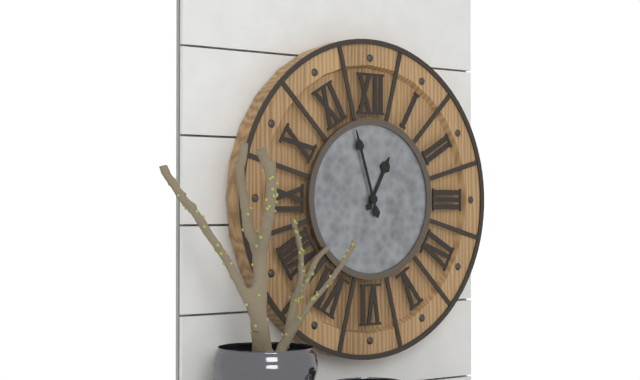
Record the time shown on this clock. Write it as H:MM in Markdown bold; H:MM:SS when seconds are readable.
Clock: **12:57**
